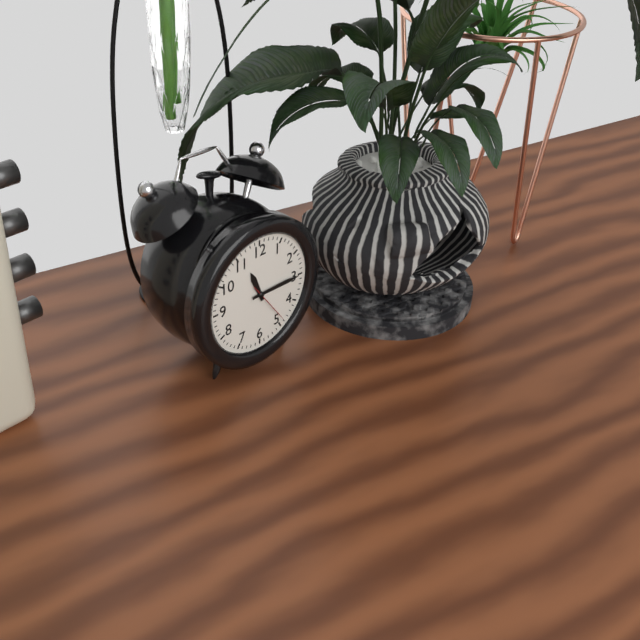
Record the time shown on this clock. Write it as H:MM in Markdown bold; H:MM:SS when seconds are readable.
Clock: **11:15**
